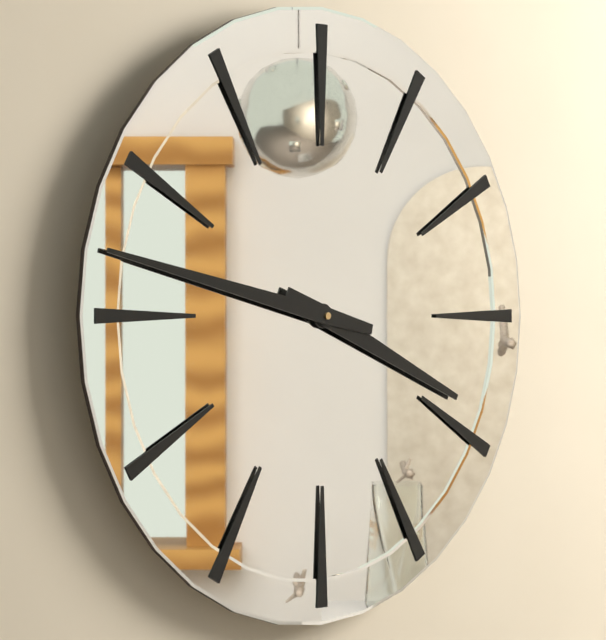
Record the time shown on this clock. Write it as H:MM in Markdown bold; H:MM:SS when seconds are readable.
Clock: **3:47**
